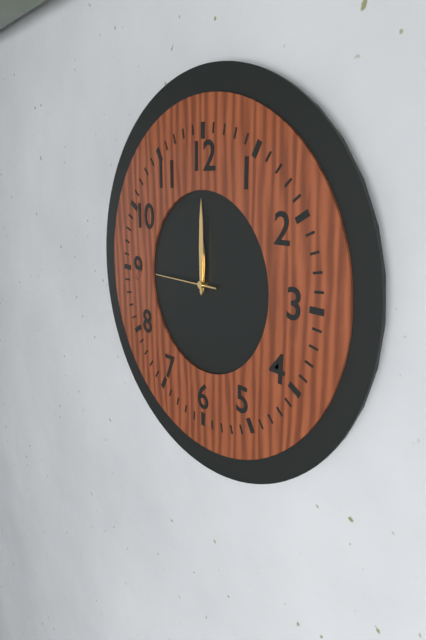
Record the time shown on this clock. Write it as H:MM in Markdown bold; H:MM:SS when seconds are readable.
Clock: **12:00:45**
